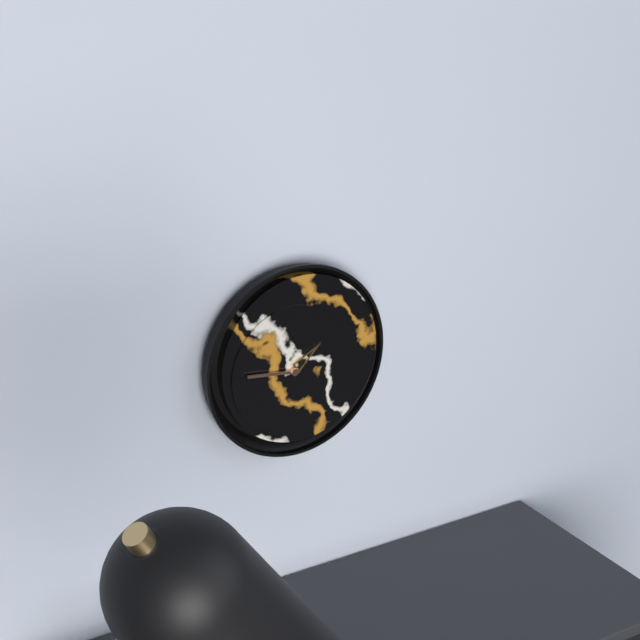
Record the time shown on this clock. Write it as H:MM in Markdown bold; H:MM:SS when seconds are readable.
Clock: **1:46**
